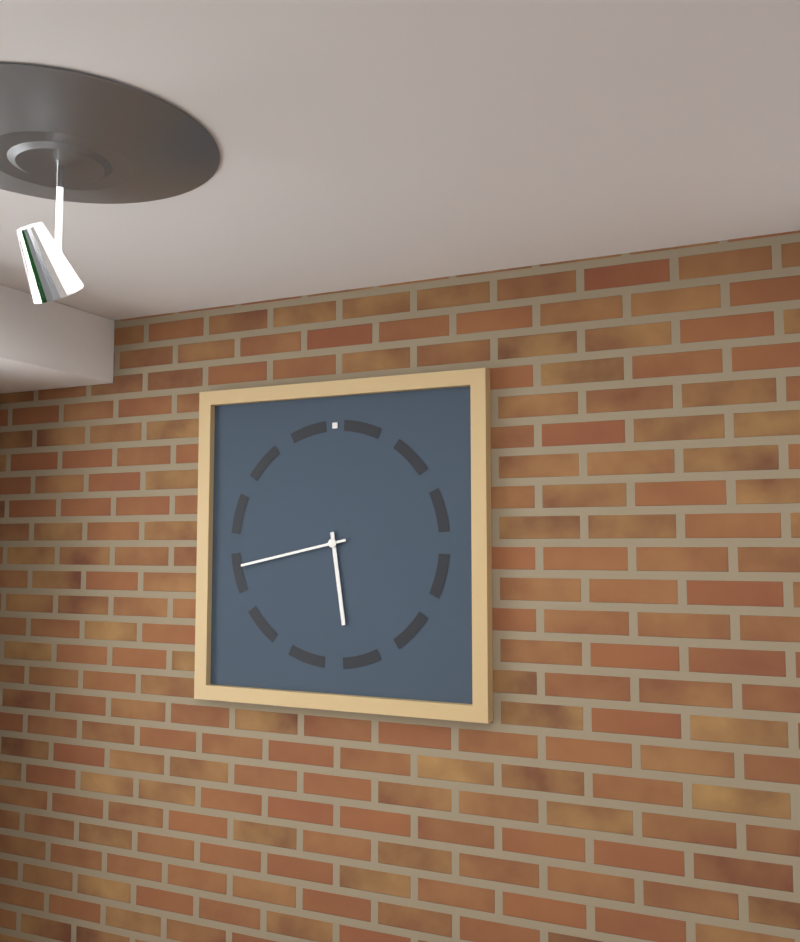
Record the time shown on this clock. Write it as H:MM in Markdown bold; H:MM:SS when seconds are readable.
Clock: **5:43**
